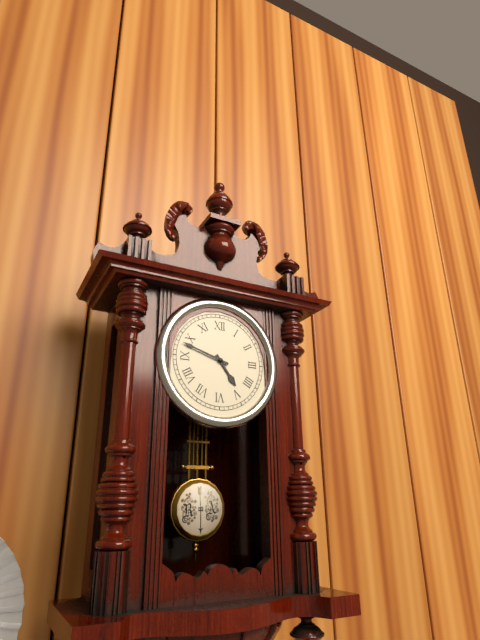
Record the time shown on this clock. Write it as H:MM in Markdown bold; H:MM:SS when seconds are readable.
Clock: **4:48**
